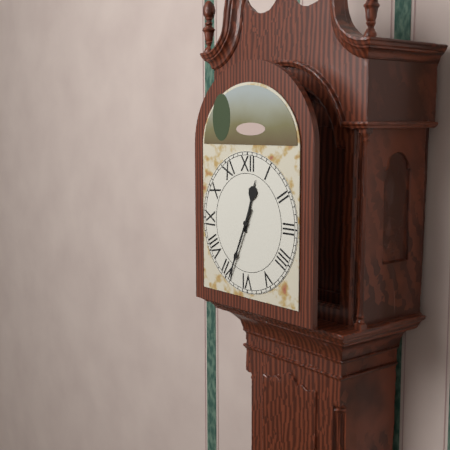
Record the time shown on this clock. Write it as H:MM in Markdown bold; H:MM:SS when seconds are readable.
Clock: **12:34**
